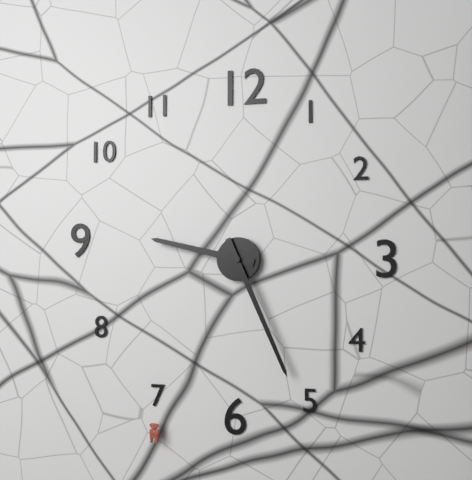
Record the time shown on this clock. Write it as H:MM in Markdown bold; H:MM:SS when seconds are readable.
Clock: **9:26**
